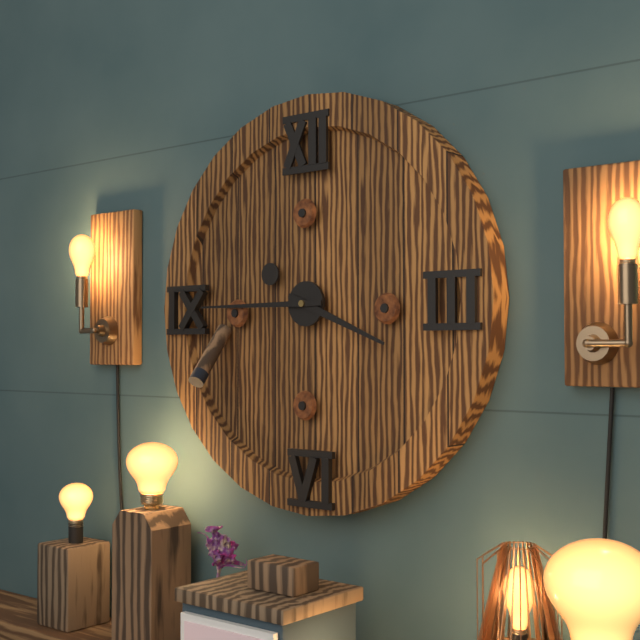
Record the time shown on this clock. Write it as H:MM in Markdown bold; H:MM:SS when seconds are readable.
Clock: **3:45**
